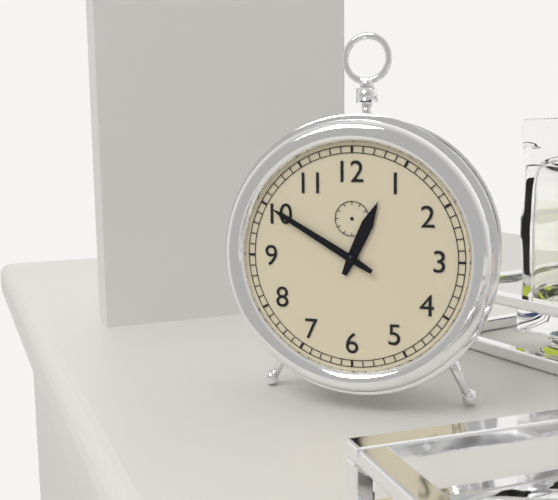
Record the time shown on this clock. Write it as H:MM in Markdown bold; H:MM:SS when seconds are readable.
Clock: **12:50**
